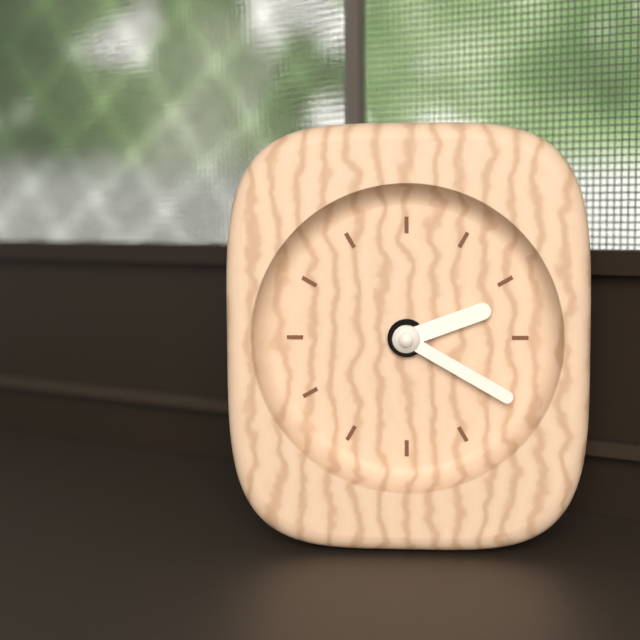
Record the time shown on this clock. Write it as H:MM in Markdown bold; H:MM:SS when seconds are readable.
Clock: **2:20**
